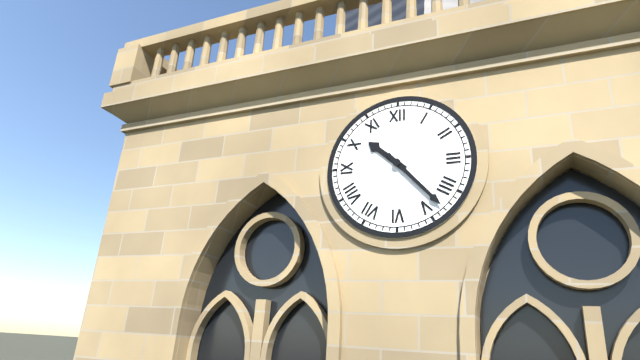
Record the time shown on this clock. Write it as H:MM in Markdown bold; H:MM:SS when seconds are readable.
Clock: **10:23**
